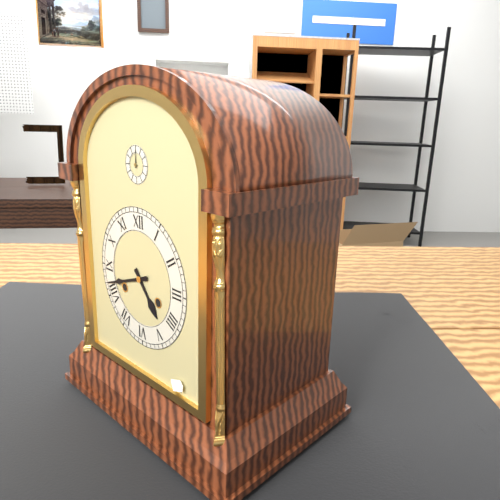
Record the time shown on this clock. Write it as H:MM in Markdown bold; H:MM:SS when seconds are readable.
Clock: **4:42**
